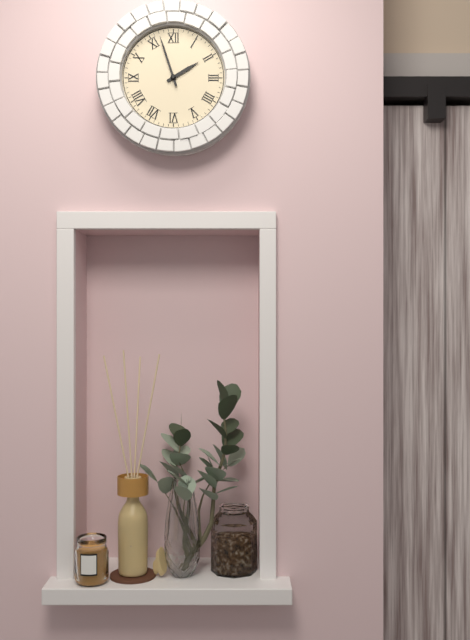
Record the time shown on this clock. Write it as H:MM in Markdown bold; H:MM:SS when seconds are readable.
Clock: **1:57**
